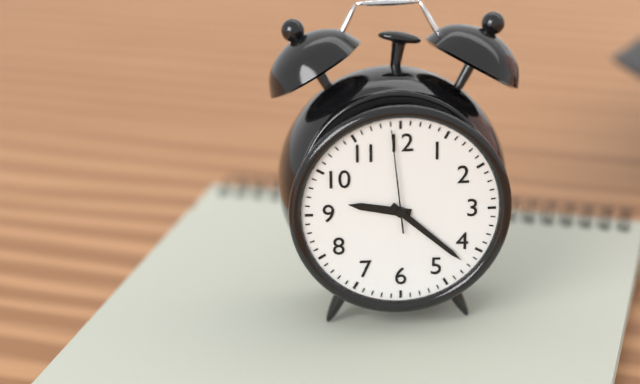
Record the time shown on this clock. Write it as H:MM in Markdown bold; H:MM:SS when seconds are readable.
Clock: **9:22:59**
